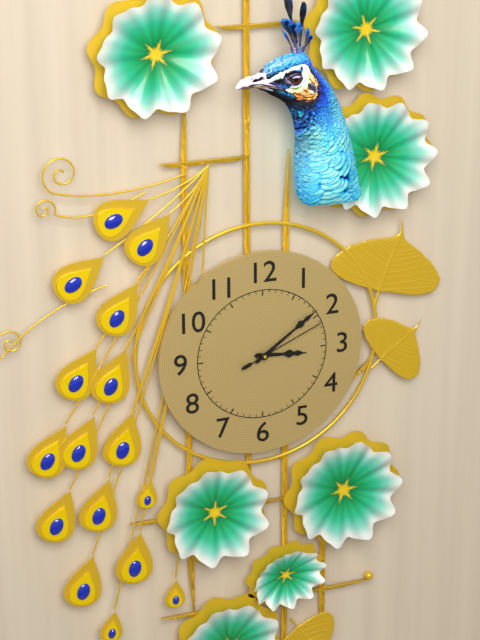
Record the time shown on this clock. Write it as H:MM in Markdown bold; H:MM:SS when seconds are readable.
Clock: **3:09:11**
